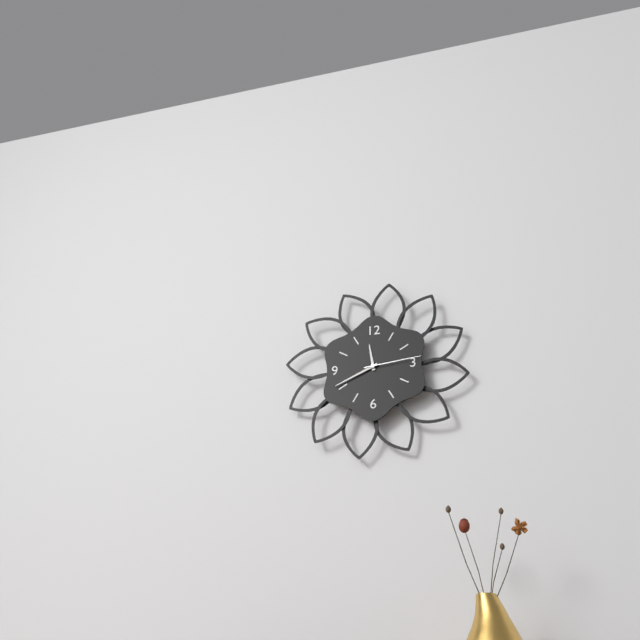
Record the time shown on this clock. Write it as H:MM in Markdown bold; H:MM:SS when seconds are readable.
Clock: **11:41:14**
